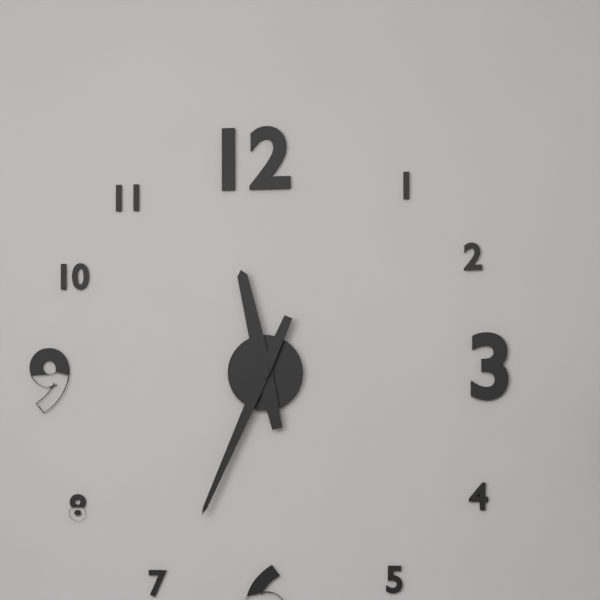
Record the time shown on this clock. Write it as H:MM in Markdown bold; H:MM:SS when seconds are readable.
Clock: **11:34**
